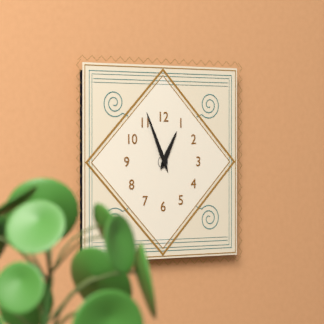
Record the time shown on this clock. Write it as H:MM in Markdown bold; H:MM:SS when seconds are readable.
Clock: **12:56**
